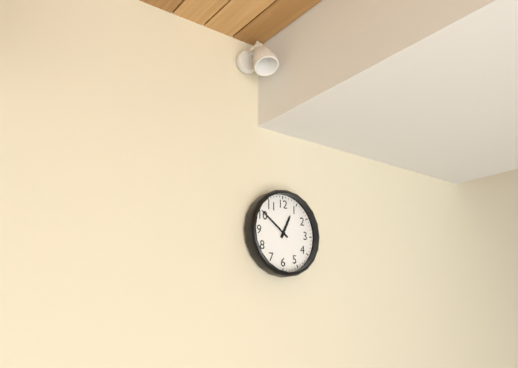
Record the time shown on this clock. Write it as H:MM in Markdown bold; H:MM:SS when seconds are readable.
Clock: **12:51**
